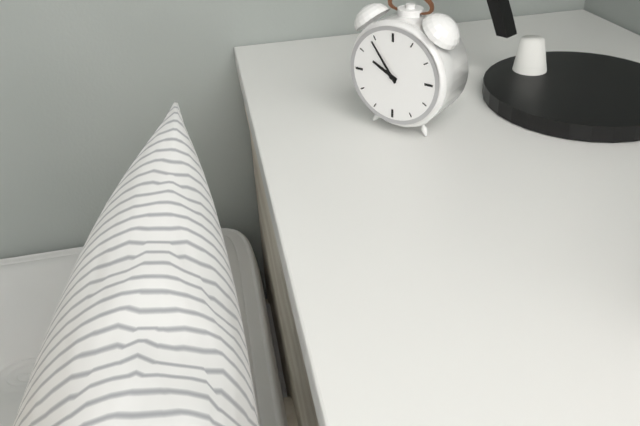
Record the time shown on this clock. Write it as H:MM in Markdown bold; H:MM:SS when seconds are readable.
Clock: **9:54**
